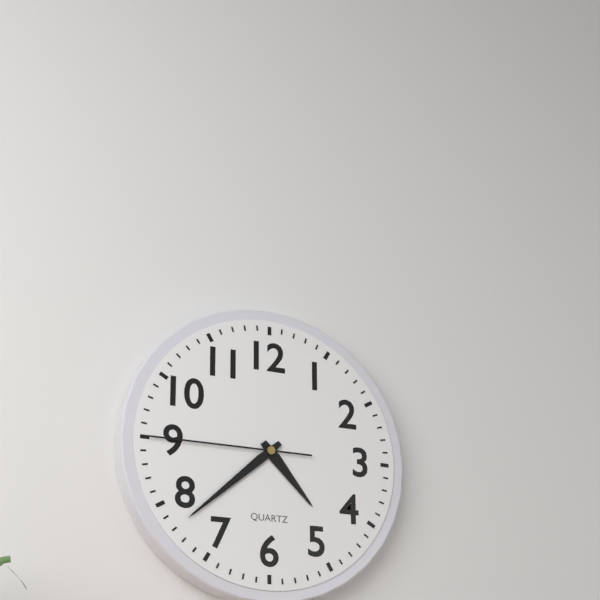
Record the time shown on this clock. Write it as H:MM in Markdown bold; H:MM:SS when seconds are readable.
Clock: **4:38:45**
